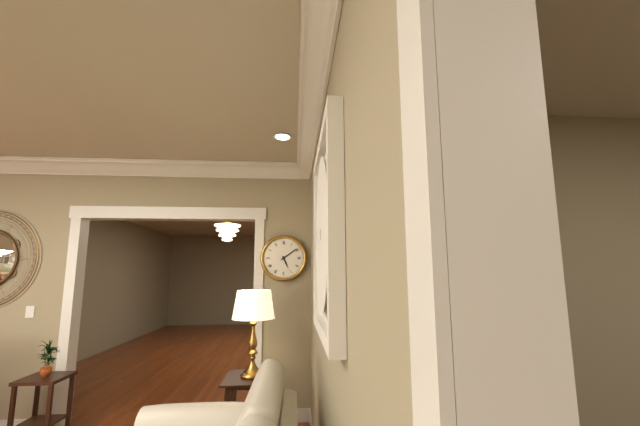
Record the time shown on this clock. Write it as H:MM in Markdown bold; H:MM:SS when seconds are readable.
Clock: **5:09**
